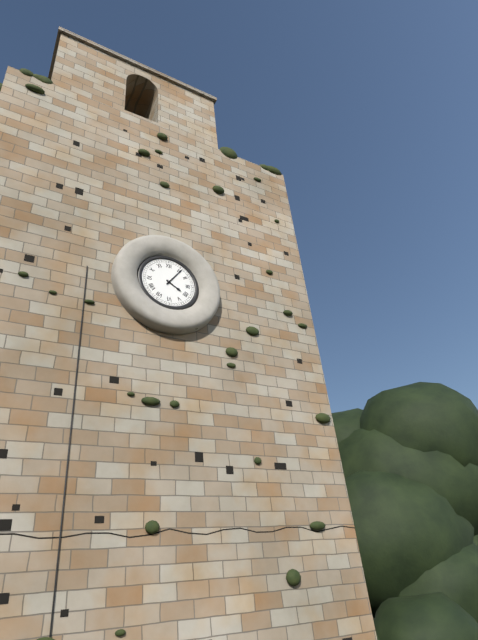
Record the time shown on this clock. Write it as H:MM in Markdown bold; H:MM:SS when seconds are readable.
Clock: **4:06**
